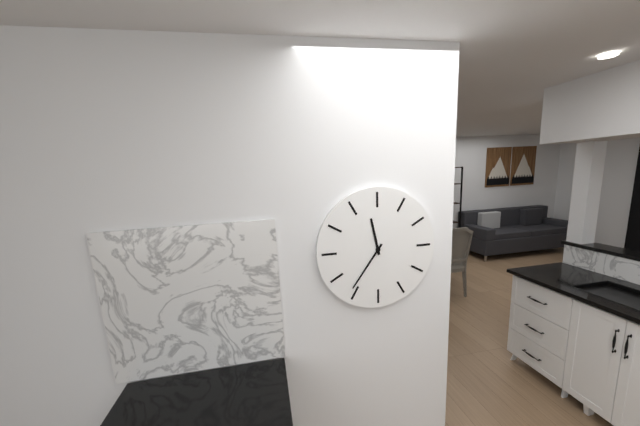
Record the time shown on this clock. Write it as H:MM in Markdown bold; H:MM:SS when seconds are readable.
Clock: **11:36**
